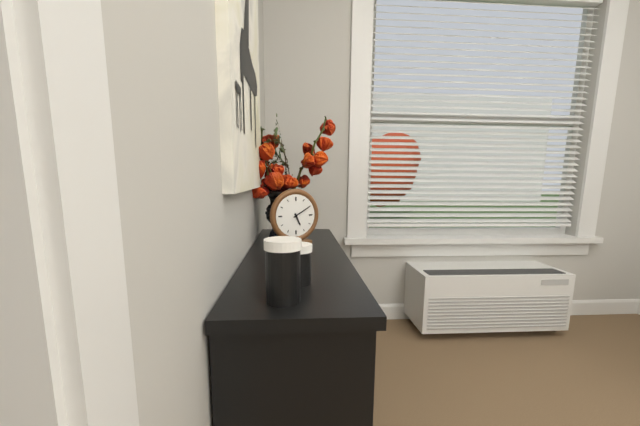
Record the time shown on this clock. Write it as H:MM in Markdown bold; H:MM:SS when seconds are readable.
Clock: **5:10**
